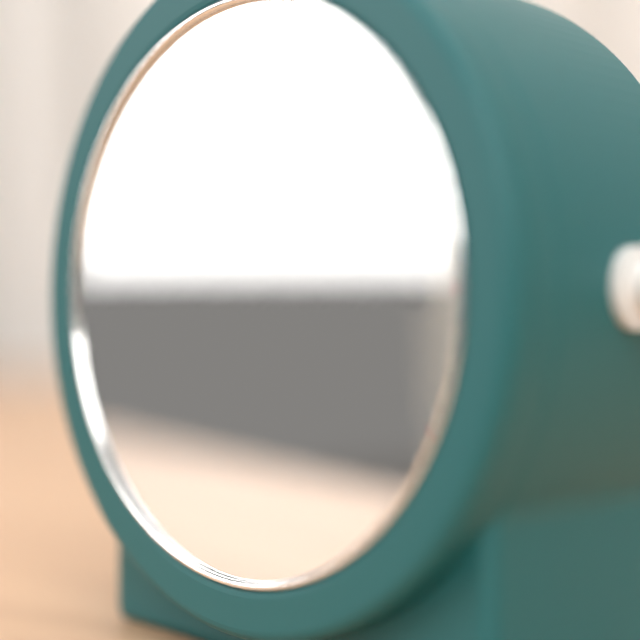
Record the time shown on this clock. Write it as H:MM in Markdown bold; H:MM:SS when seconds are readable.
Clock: **6:22:10**
